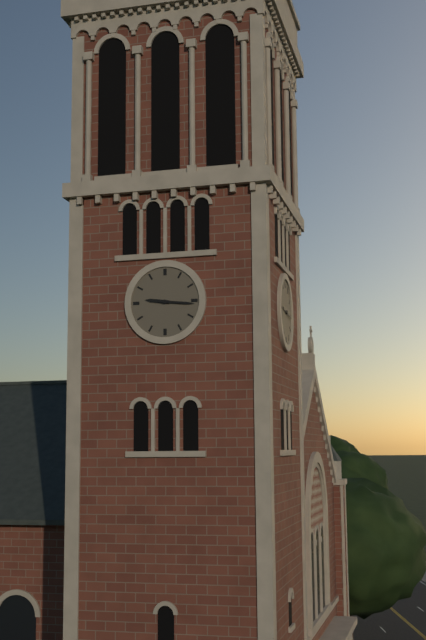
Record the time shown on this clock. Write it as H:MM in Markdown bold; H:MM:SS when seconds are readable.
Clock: **9:16**
